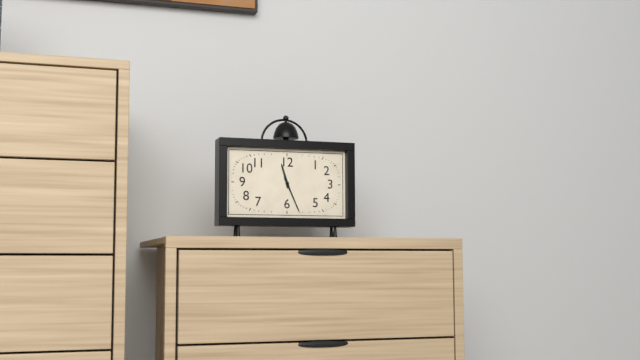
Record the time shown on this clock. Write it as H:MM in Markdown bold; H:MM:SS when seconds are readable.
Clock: **11:26**
